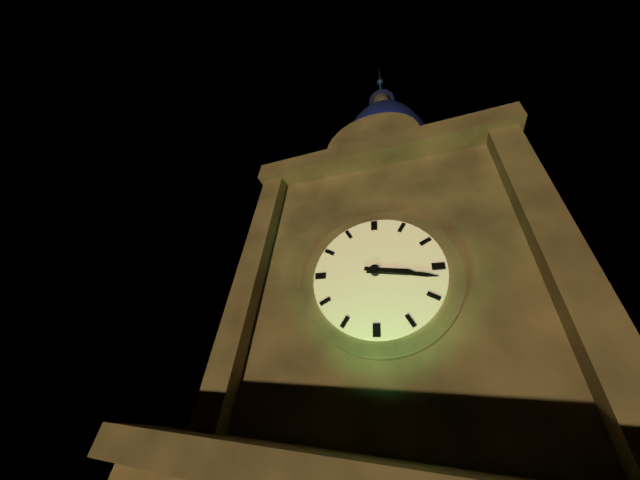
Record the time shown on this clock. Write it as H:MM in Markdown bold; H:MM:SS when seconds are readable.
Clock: **3:17**
